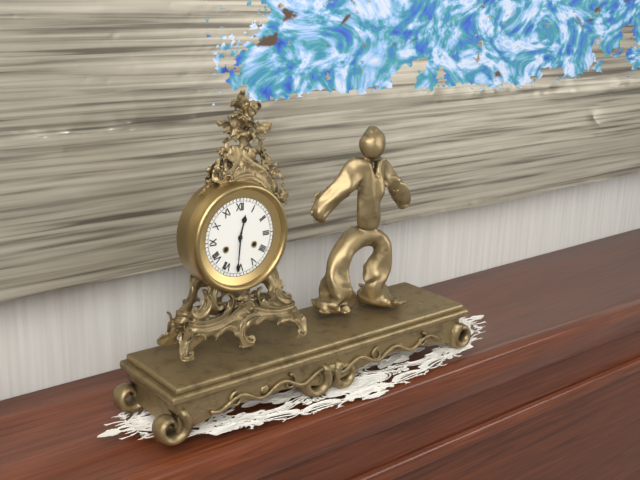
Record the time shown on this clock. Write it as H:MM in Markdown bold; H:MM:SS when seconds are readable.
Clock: **12:31**
